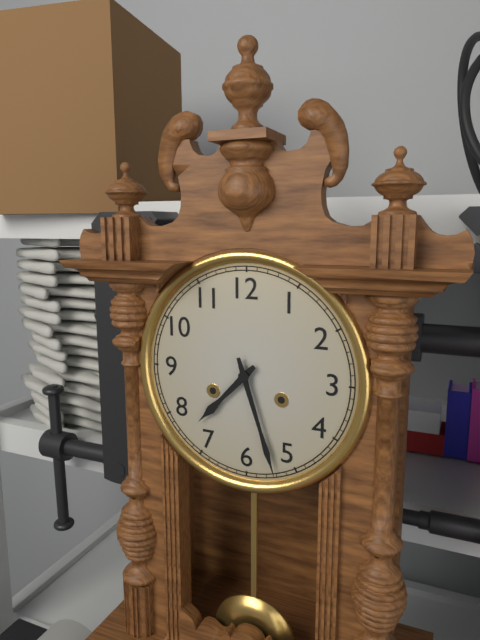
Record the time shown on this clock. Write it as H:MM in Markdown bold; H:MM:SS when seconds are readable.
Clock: **7:27**
